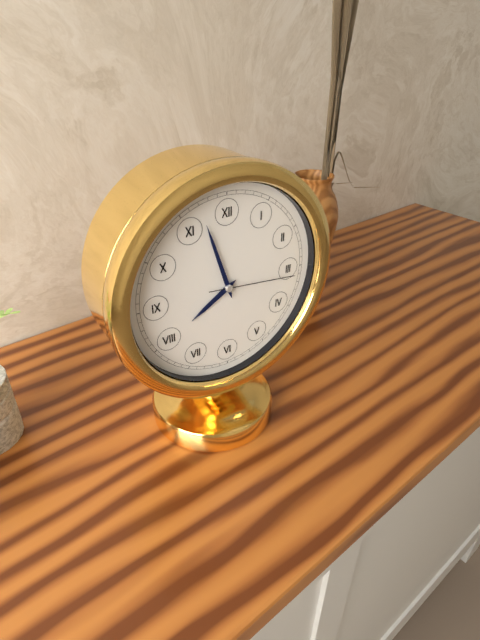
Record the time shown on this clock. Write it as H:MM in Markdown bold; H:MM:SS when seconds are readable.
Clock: **7:57:16**
